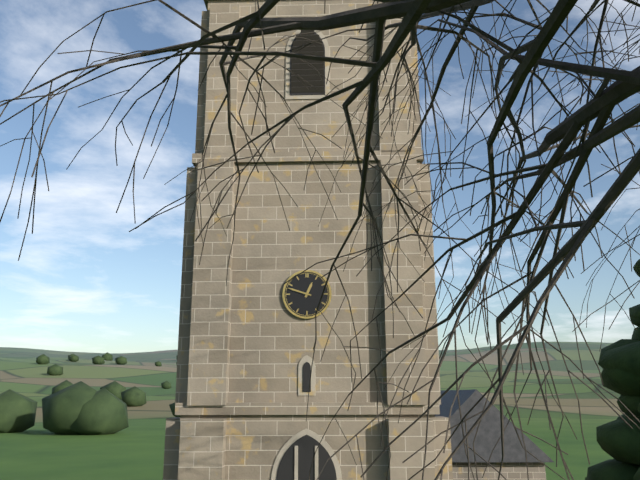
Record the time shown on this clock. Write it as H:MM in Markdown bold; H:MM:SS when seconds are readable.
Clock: **12:48**
